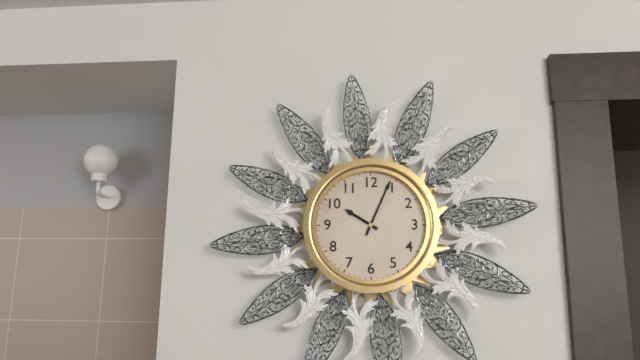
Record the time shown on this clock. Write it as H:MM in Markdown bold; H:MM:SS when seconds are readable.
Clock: **10:04**
